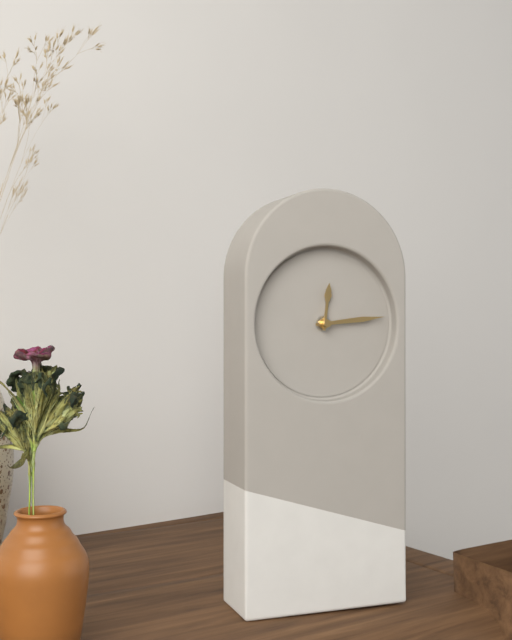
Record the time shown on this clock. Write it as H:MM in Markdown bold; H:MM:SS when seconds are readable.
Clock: **12:14**
